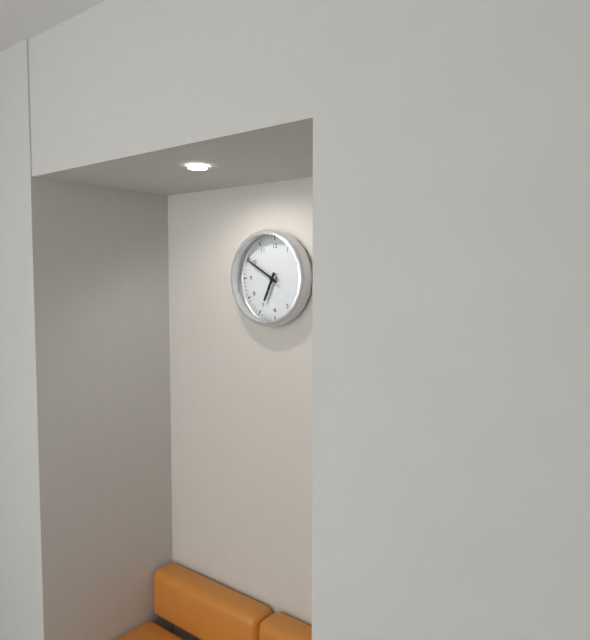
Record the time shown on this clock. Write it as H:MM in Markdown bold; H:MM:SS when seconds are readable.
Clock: **6:50**
